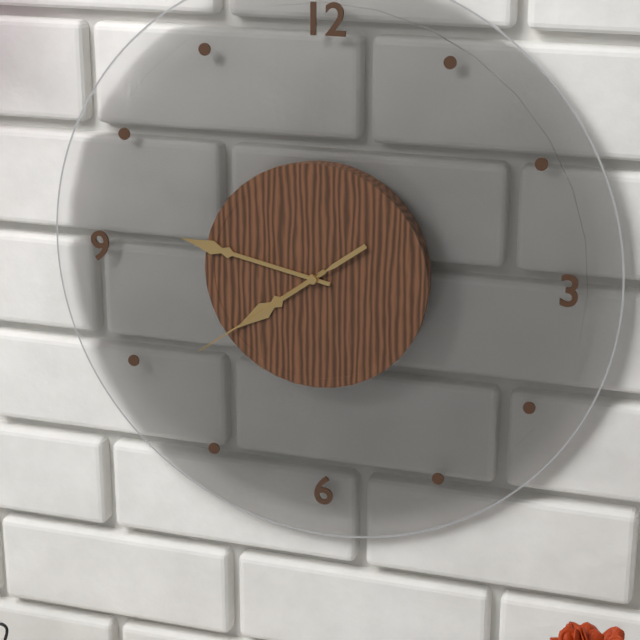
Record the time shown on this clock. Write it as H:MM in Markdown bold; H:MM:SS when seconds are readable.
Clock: **7:47:39**
